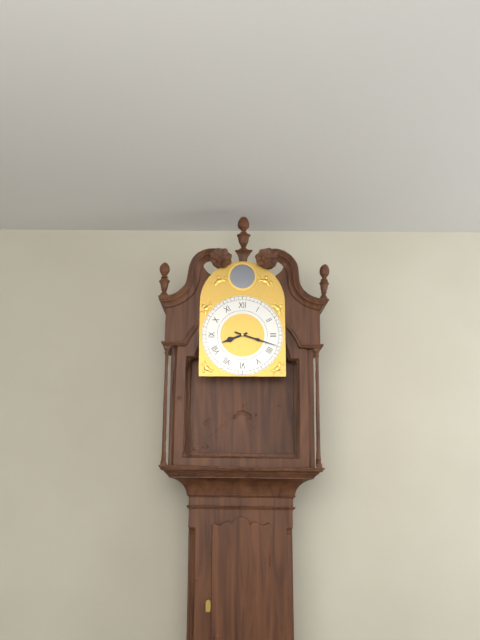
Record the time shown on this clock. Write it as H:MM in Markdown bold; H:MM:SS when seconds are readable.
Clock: **8:18**
